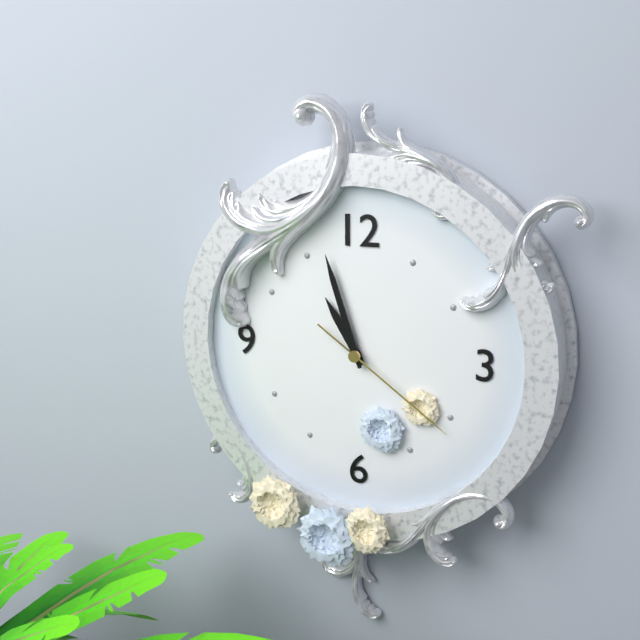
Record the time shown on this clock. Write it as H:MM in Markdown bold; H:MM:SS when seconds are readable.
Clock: **10:57:21**
